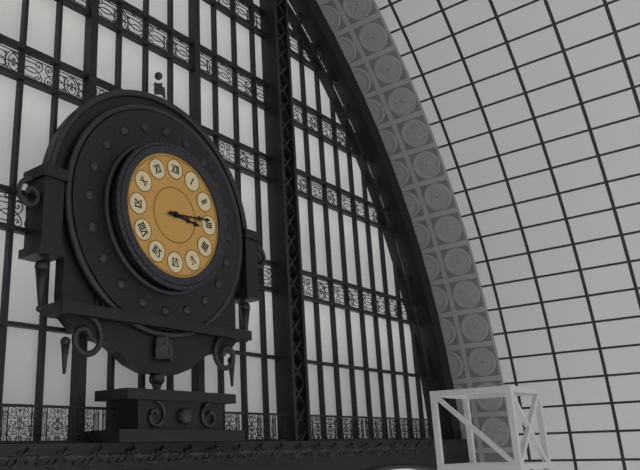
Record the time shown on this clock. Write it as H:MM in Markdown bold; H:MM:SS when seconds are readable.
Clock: **3:14**
